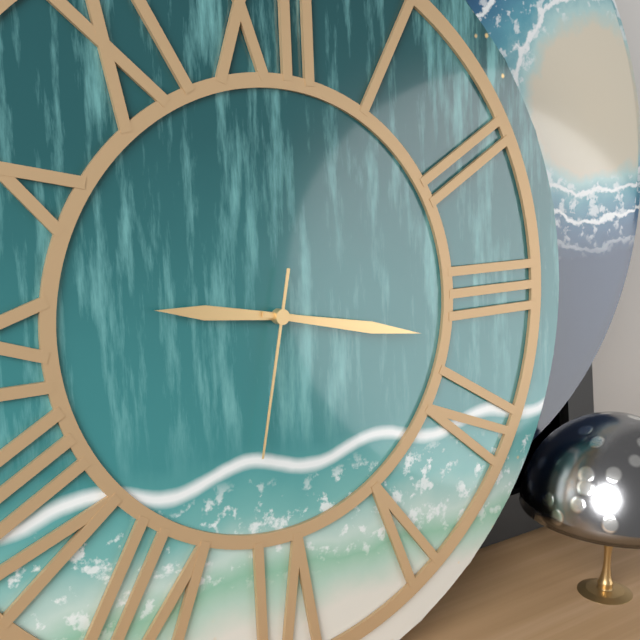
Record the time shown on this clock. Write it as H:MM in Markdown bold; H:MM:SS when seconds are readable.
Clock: **9:17:32**
